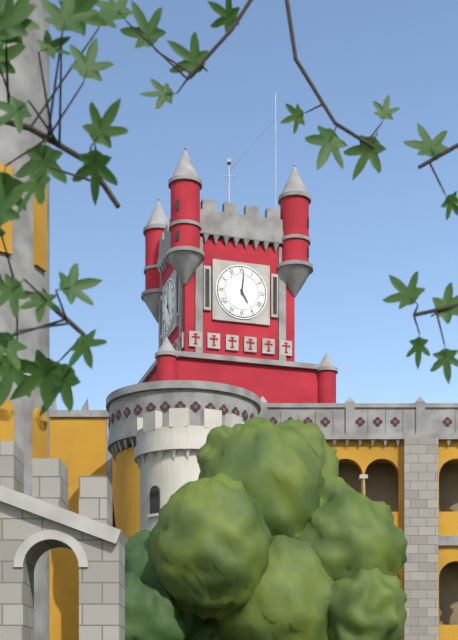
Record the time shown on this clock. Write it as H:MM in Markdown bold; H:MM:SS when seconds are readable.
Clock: **5:01**
